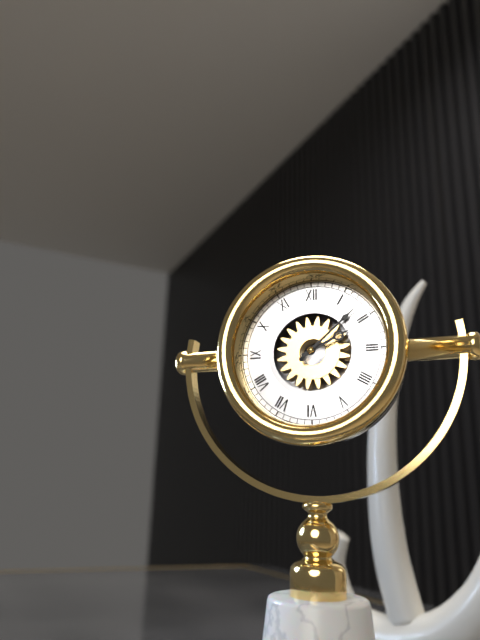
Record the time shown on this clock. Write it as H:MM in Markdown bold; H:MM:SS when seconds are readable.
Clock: **2:08**
